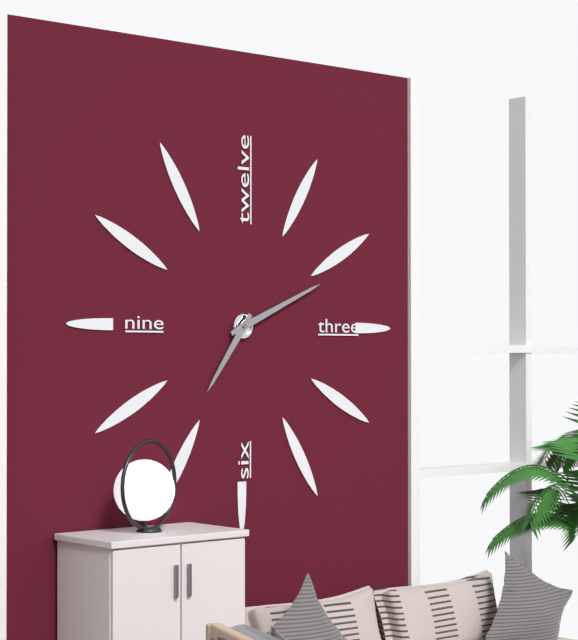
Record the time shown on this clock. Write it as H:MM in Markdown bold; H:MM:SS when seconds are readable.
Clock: **7:11**
